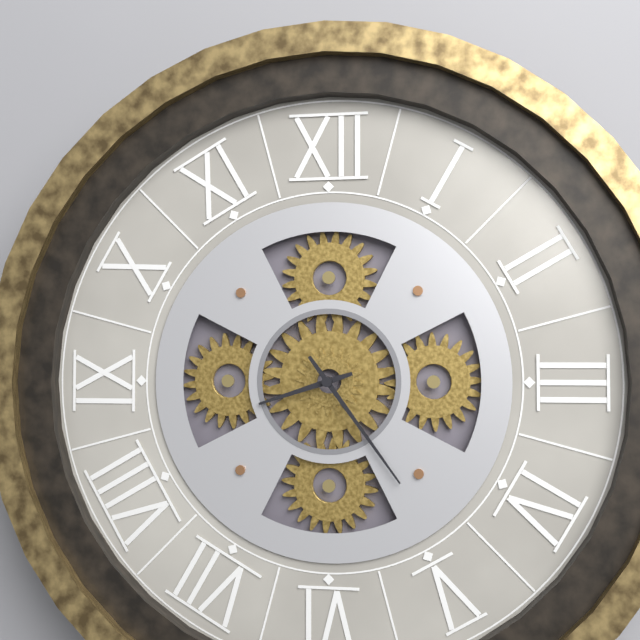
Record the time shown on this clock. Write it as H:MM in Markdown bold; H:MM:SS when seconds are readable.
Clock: **8:24**
